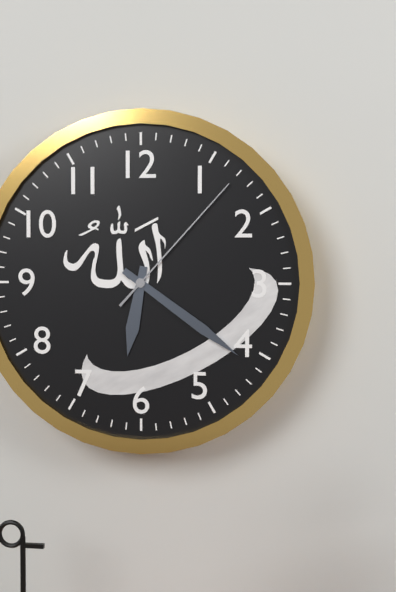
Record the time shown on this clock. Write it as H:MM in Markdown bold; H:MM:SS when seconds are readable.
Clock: **6:21:07**
